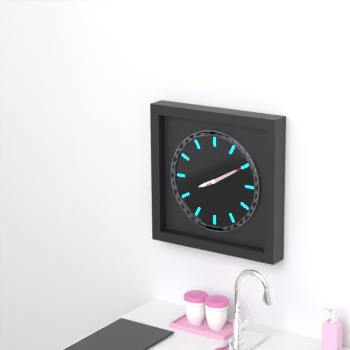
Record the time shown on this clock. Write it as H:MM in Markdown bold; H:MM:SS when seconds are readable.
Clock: **8:10**
